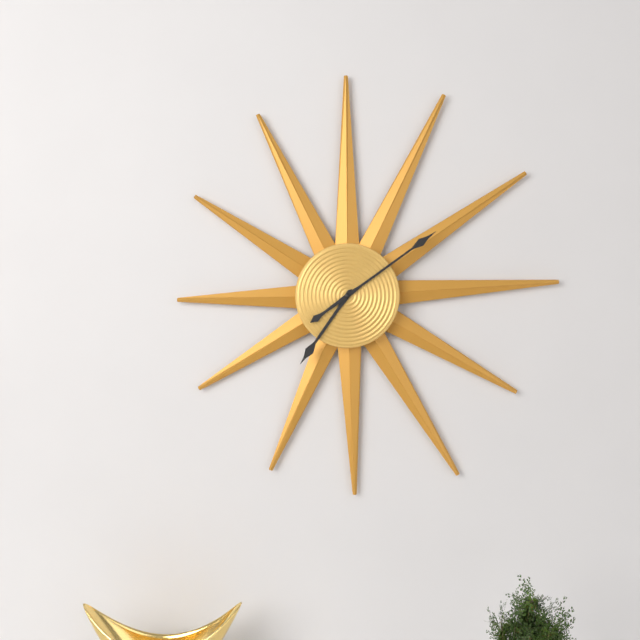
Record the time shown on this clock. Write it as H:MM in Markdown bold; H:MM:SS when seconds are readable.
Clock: **7:09**
